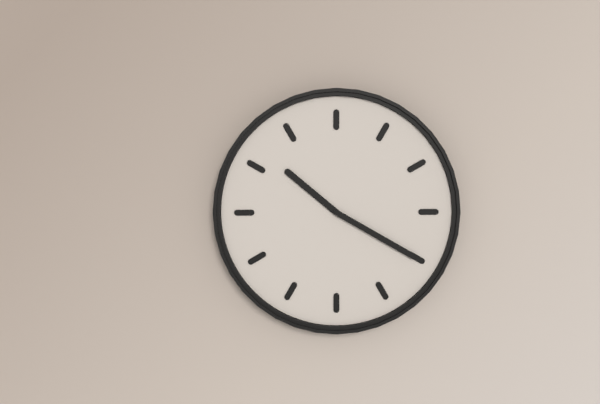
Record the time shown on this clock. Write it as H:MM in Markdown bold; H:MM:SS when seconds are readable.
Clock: **10:20**
